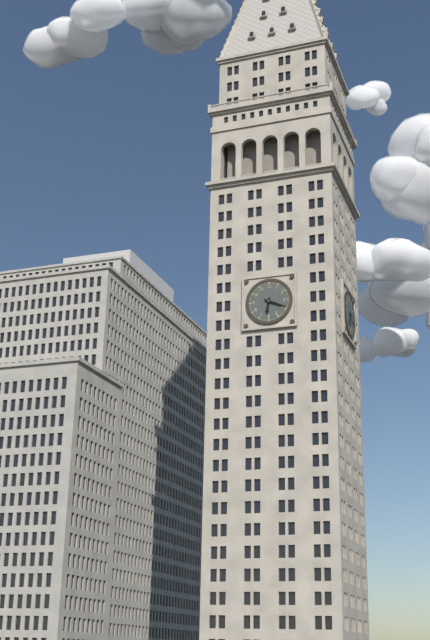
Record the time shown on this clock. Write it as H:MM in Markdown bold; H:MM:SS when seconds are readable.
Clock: **6:19**
